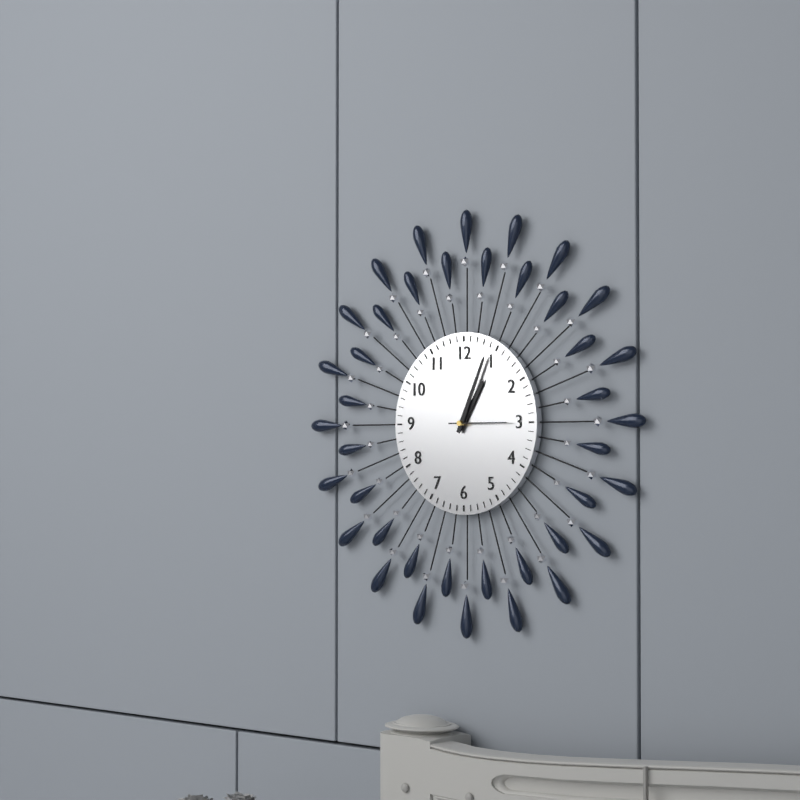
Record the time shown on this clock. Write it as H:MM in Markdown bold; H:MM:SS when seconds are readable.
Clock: **1:04:15**
